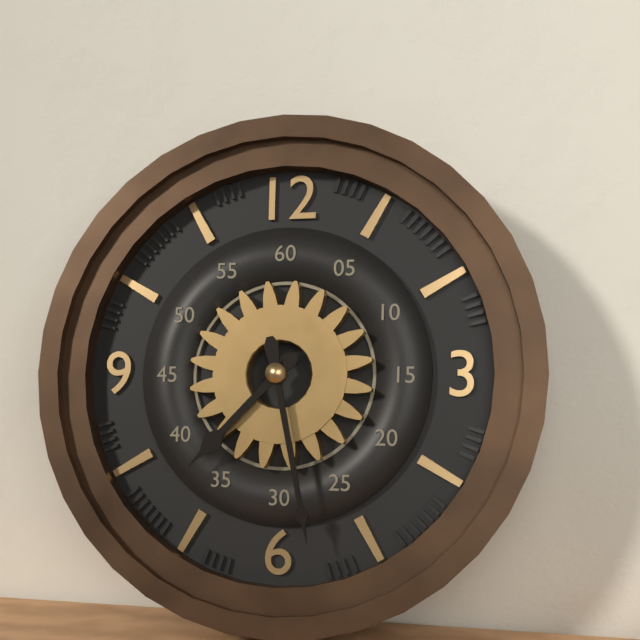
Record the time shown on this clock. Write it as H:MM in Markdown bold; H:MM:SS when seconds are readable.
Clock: **7:28**
